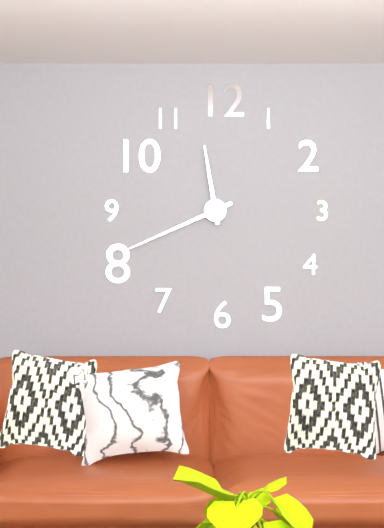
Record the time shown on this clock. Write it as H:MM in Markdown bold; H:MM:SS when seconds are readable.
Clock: **11:41**
